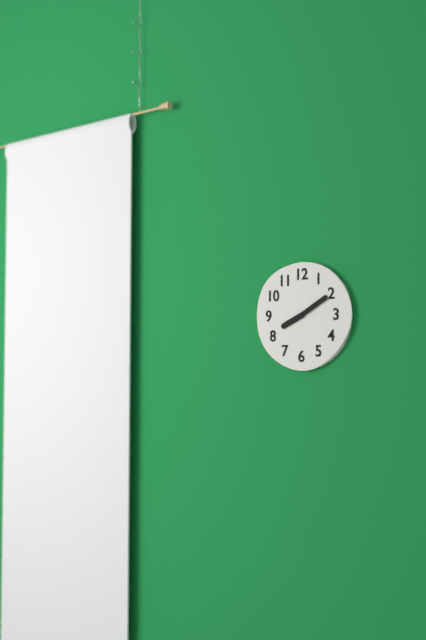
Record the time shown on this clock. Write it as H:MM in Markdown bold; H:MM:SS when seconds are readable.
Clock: **8:10**
